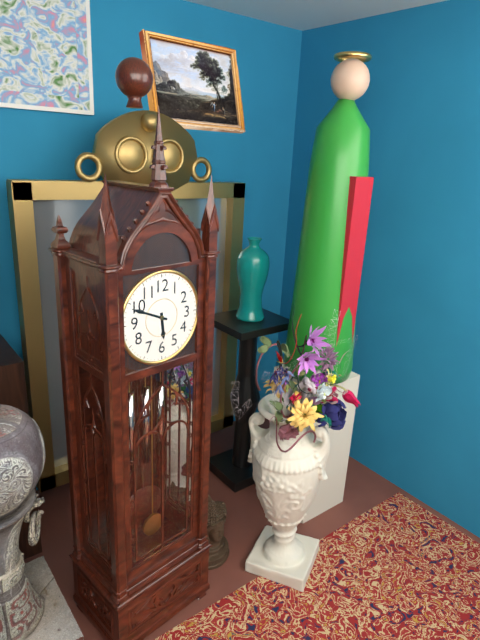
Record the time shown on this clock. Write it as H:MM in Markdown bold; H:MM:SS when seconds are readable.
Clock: **5:49**
